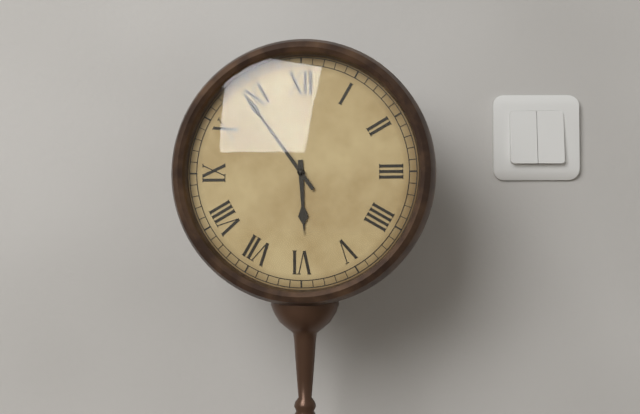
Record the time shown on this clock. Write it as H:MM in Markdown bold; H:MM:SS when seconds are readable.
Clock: **5:54**
